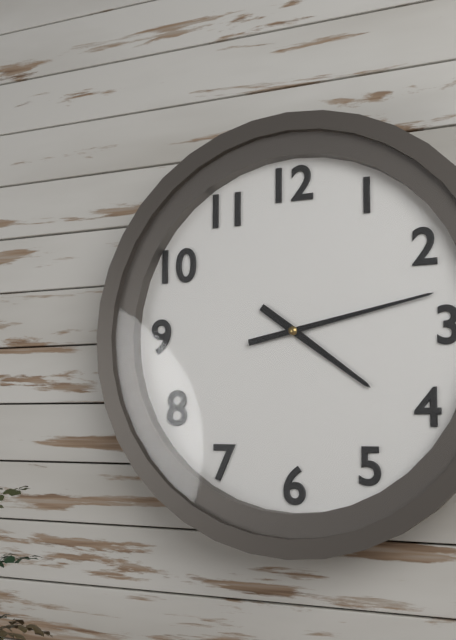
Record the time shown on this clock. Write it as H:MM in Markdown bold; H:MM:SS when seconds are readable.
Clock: **4:13**
